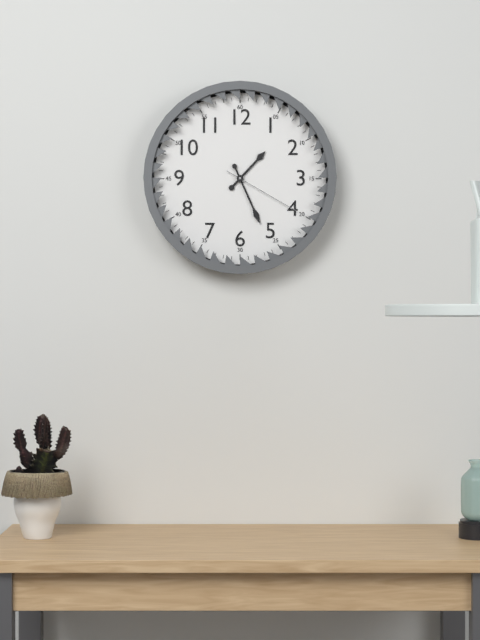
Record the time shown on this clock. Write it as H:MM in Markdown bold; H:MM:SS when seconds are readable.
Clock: **1:26:20**
